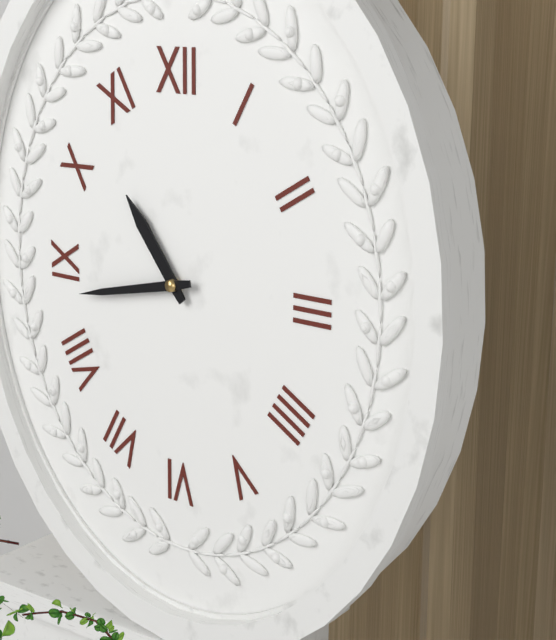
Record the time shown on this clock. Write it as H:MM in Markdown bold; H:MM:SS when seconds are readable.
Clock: **10:43**
